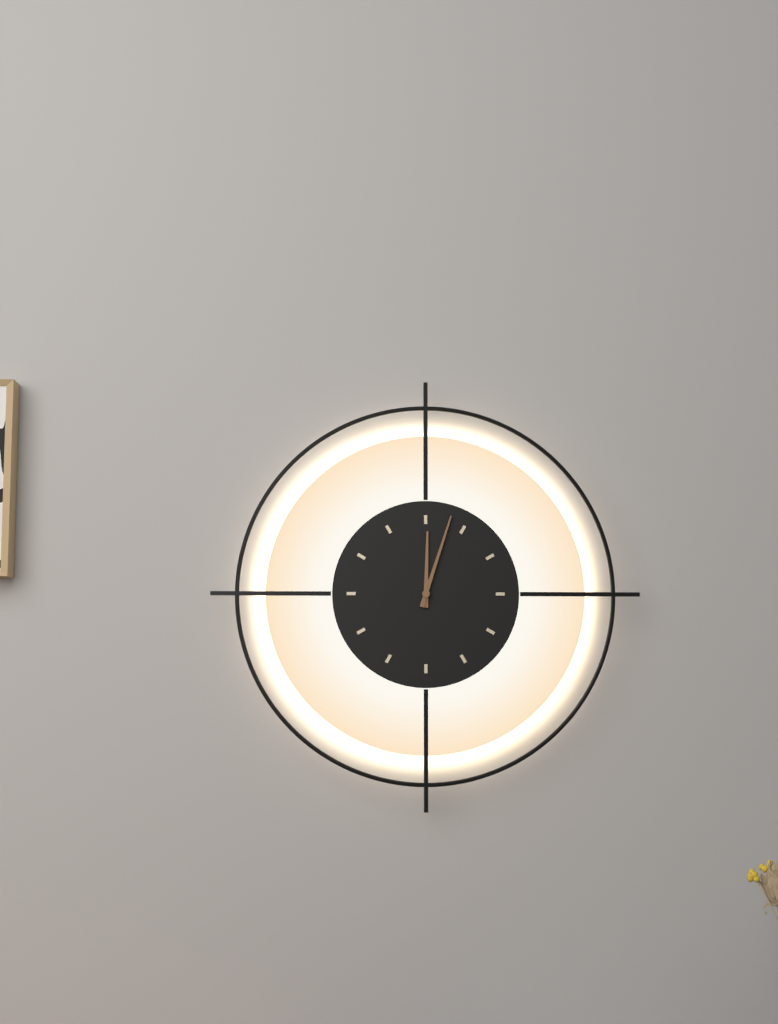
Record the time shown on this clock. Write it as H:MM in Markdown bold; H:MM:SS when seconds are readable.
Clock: **12:03**
